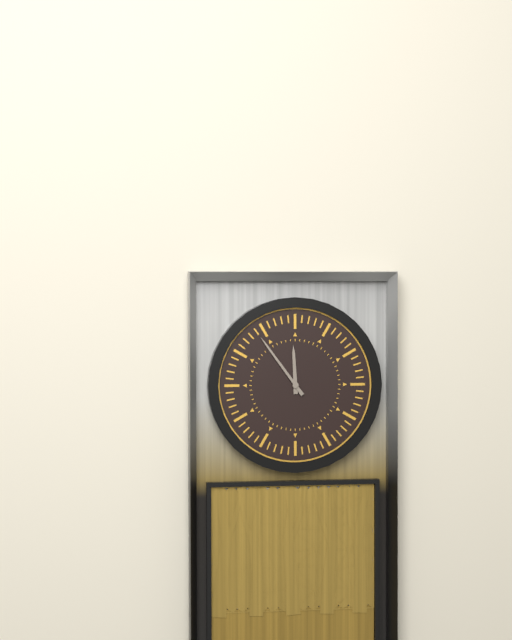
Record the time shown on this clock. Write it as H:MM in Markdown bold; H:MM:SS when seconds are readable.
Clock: **11:54**
